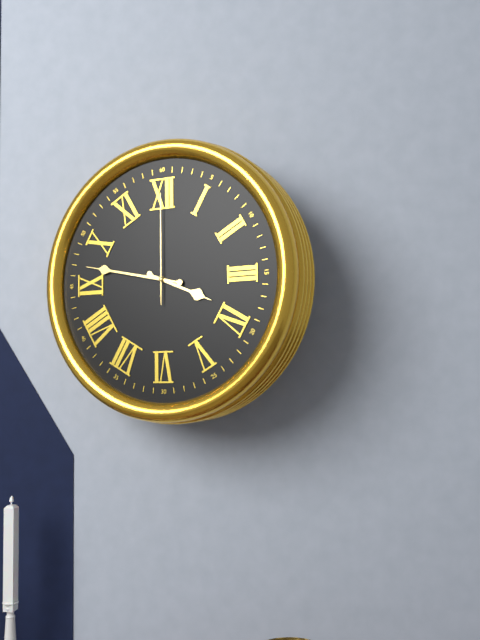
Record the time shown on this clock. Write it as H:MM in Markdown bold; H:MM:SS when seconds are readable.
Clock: **3:47:00**
